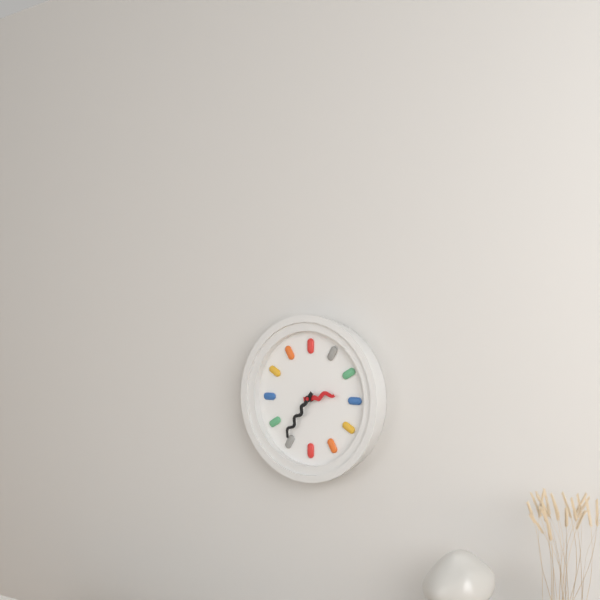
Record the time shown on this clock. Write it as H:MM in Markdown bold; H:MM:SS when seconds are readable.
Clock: **2:36**
